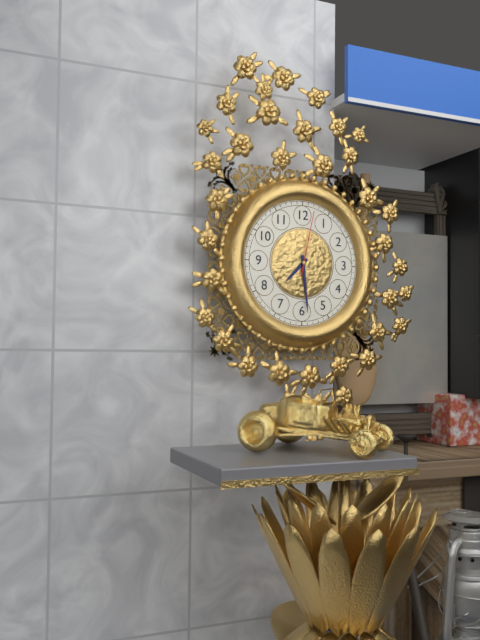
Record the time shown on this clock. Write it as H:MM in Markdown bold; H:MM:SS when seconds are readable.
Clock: **7:29:02**
